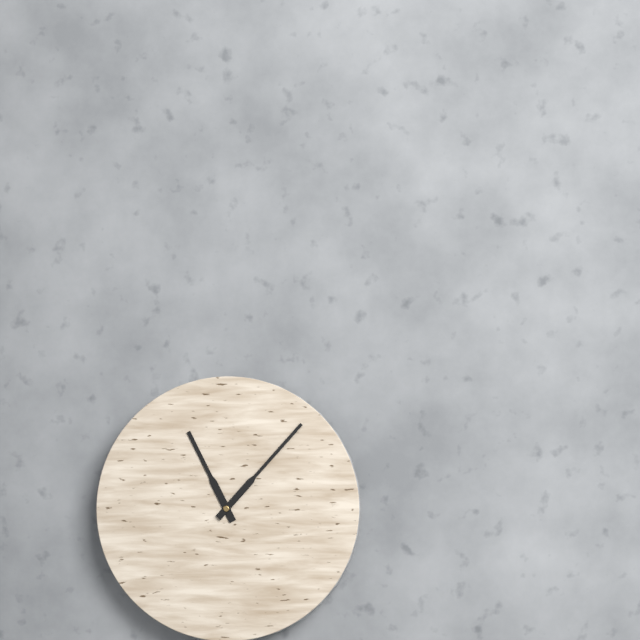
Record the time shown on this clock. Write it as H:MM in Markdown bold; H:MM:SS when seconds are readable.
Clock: **11:07**
